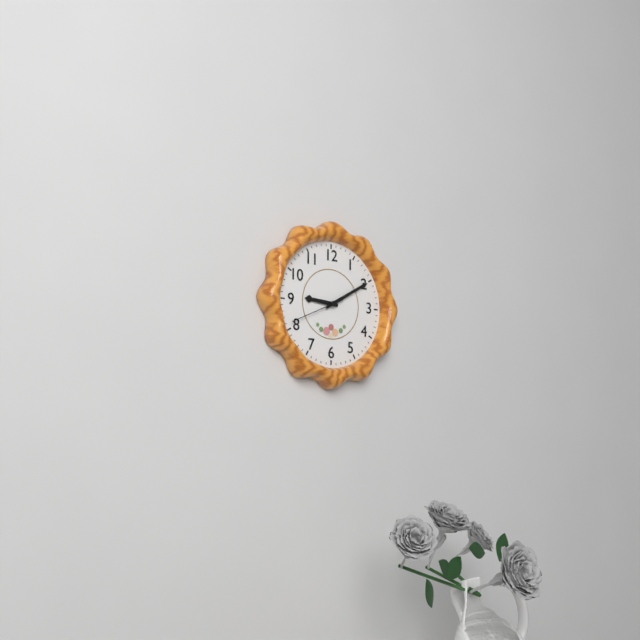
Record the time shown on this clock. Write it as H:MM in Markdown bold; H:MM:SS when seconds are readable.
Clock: **9:10:41**
